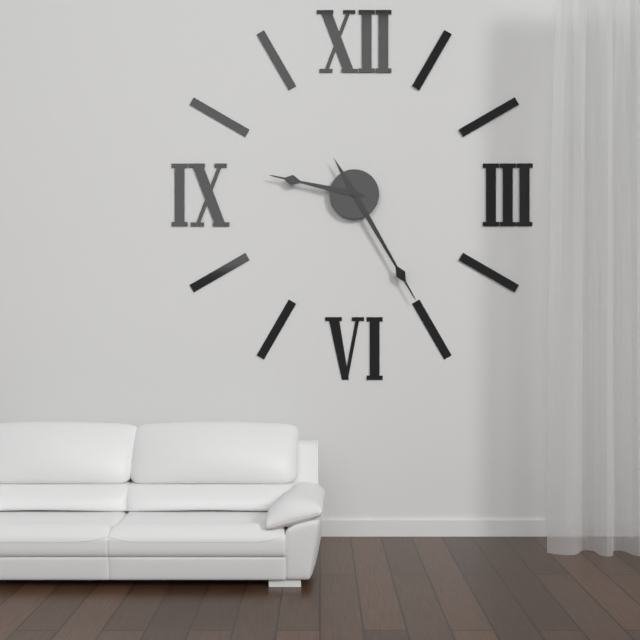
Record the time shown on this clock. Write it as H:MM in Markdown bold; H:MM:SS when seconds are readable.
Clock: **9:25**
